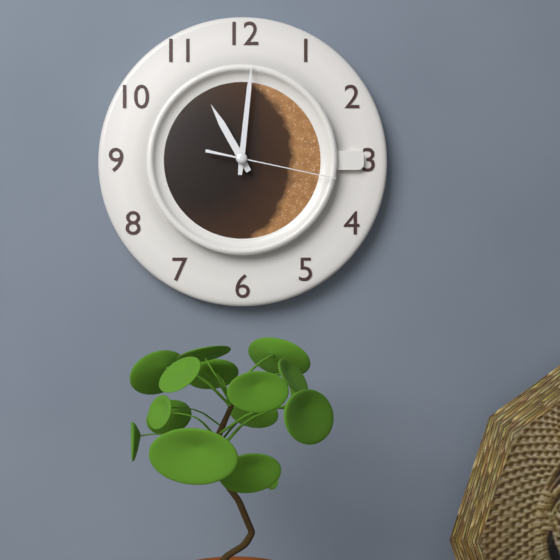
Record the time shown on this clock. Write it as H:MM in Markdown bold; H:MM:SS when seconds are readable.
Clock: **11:01:17**
